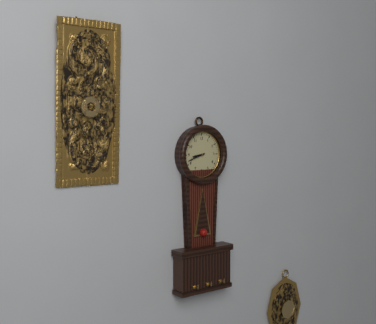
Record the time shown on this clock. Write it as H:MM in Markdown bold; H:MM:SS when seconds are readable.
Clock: **8:42**
